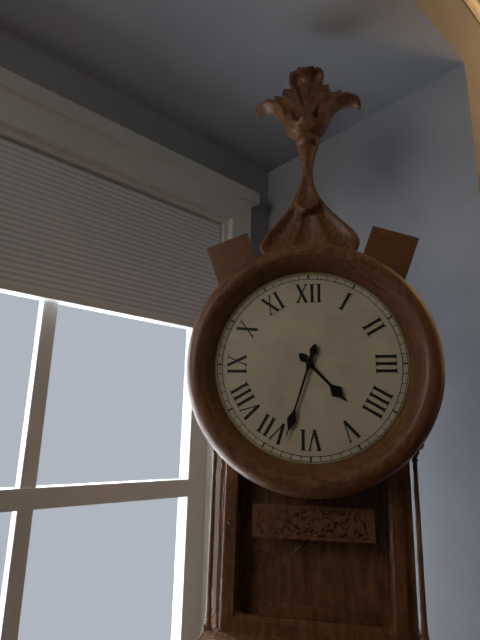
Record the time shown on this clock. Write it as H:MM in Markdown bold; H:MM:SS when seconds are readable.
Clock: **4:33**
